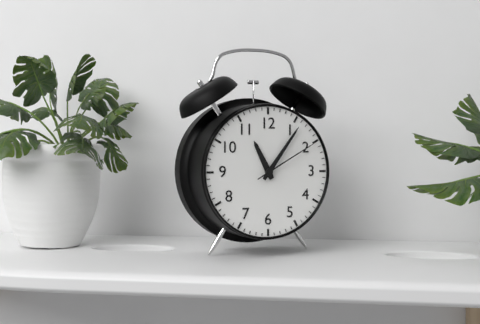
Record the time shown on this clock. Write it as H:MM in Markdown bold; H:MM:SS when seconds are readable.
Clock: **11:06:10**
